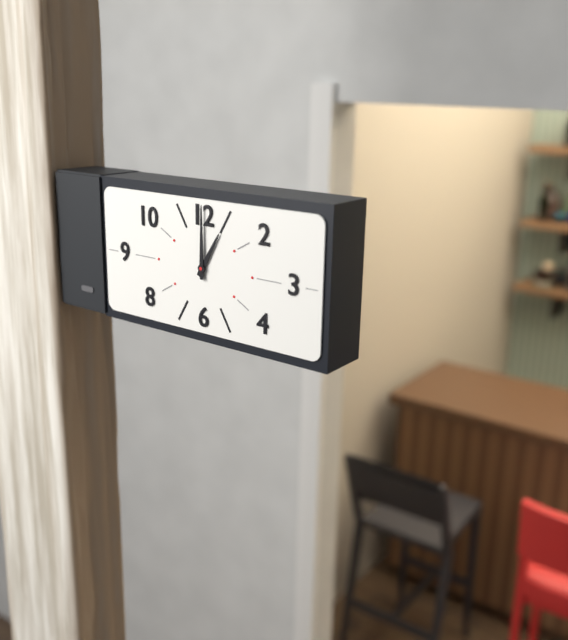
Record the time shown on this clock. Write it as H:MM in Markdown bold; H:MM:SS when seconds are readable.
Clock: **1:00**
